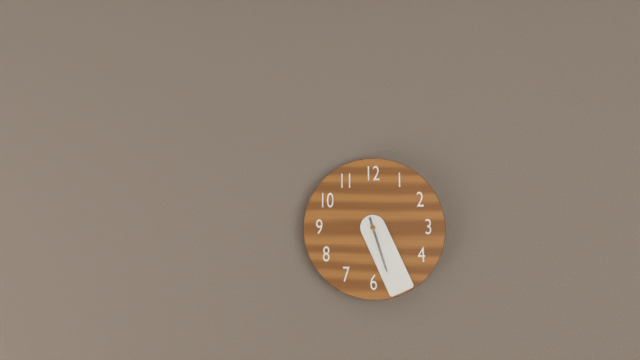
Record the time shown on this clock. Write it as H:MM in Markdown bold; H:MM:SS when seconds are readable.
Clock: **5:26**
